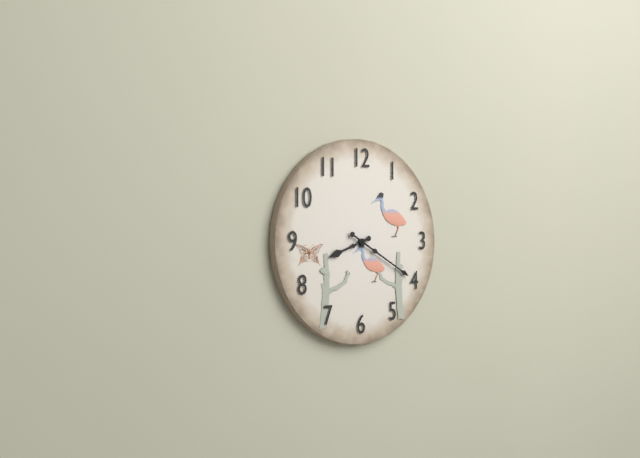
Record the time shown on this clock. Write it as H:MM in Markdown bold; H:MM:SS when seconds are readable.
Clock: **8:20**
